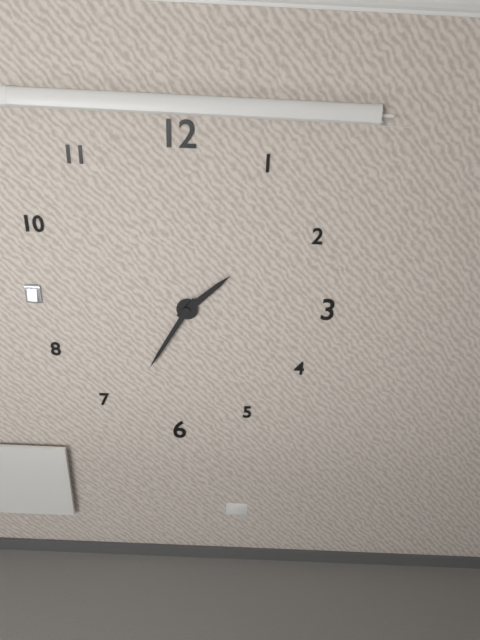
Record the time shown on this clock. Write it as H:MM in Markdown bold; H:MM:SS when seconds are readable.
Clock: **1:35**
